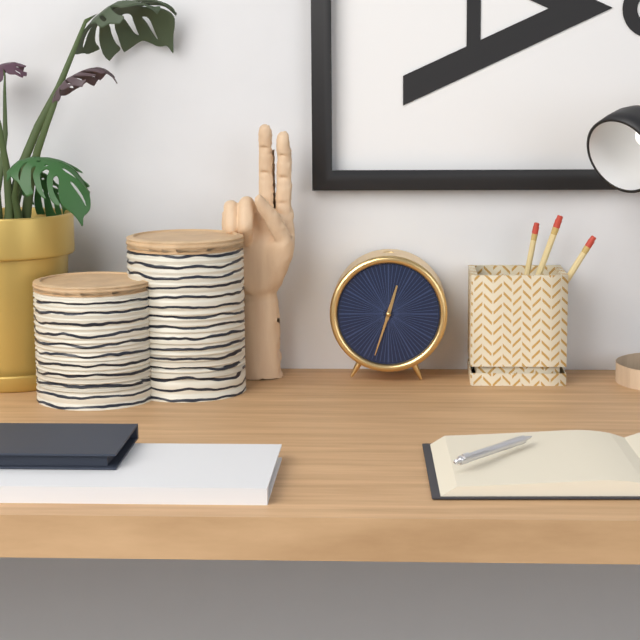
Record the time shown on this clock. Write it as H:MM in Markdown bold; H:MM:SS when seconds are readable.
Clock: **12:33**
